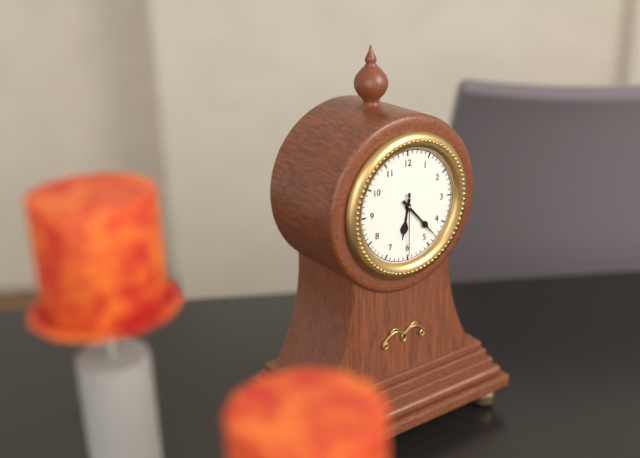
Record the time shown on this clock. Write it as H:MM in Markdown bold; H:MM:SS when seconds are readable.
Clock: **6:23:30**
